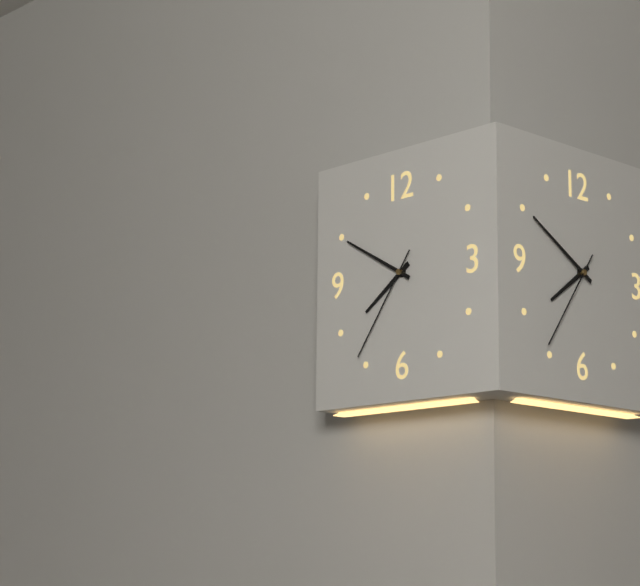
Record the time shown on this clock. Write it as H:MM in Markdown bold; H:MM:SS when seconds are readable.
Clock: **7:50:36**
